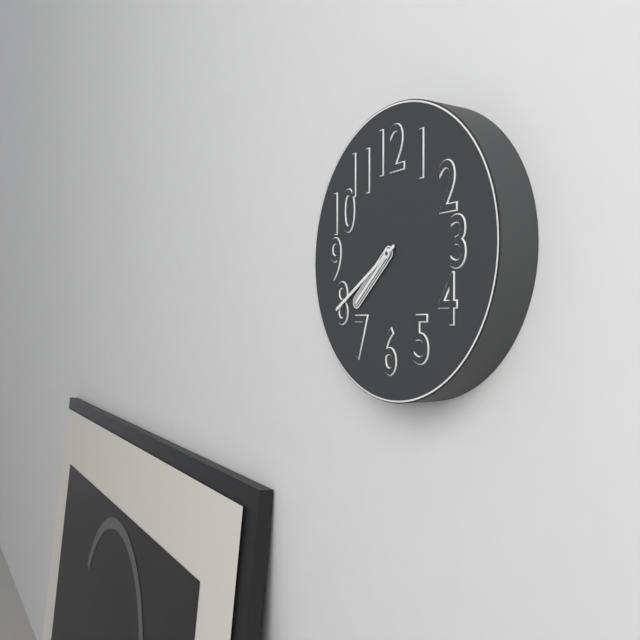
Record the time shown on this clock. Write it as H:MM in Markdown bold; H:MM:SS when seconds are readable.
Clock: **7:40**
